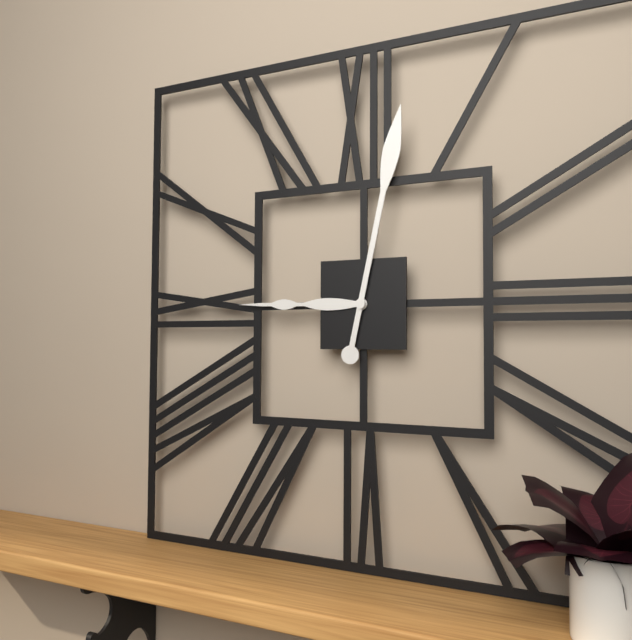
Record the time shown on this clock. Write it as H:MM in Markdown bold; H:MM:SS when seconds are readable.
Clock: **9:02**
